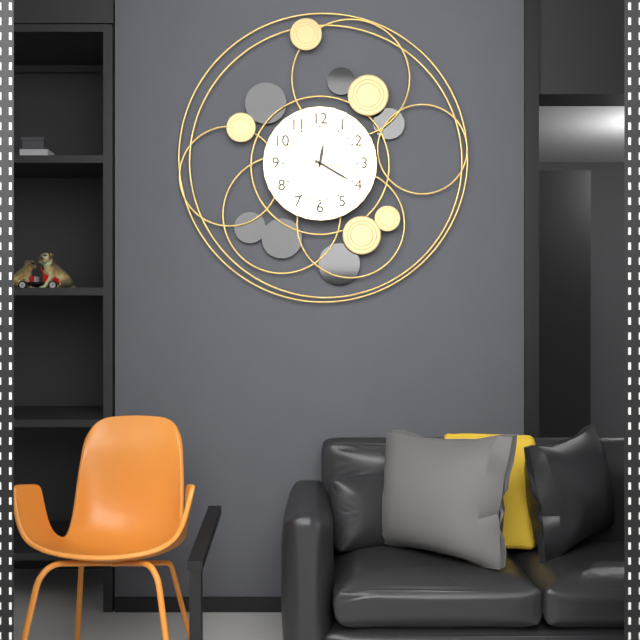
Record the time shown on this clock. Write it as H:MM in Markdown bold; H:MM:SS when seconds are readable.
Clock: **12:20**
